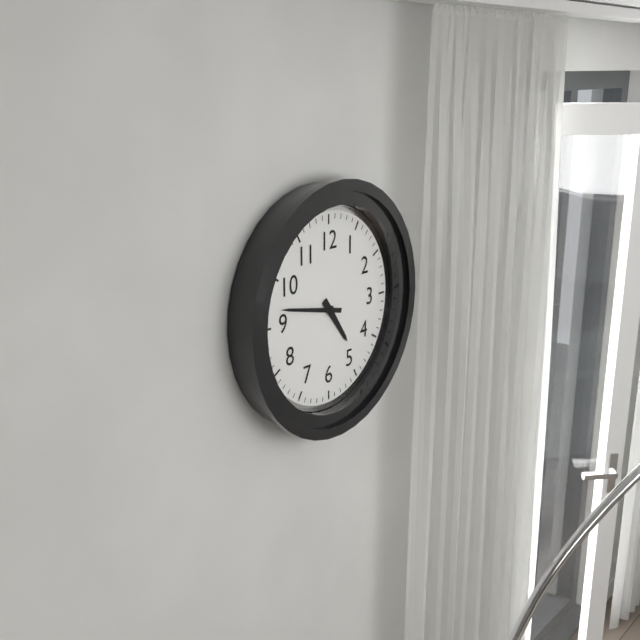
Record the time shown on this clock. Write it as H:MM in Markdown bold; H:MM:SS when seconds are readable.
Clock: **4:47**
